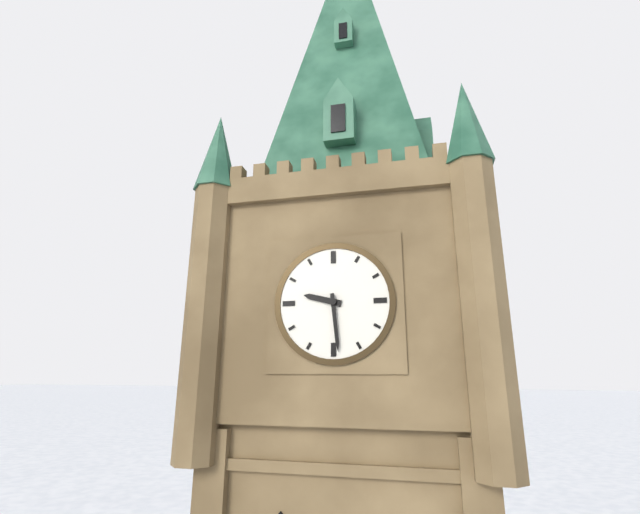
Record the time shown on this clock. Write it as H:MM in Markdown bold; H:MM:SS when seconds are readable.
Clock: **9:29**
